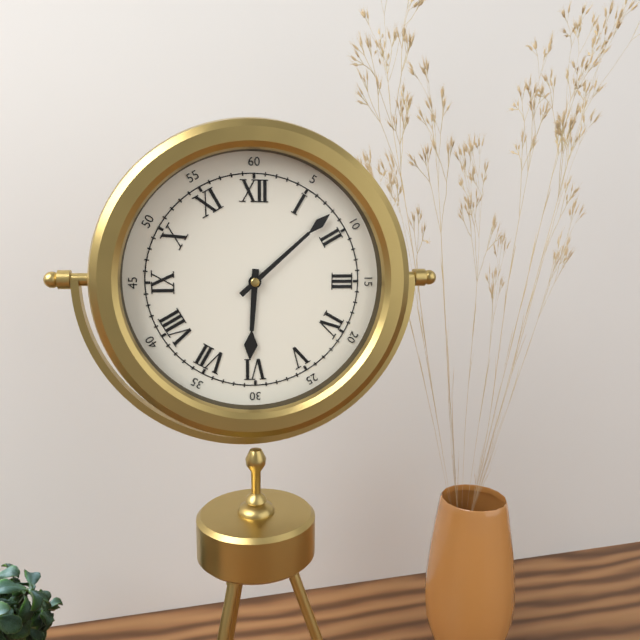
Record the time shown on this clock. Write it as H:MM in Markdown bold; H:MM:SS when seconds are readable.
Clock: **6:08**
